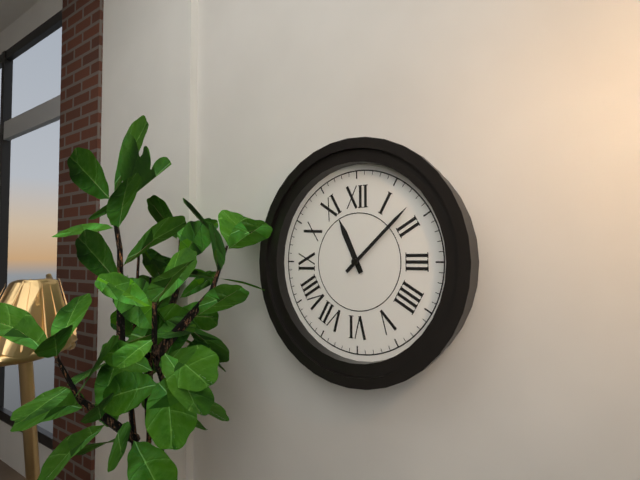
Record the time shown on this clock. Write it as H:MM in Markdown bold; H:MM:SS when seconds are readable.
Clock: **11:08**
